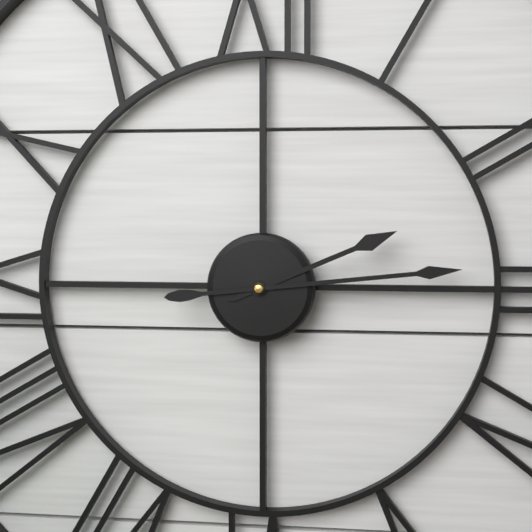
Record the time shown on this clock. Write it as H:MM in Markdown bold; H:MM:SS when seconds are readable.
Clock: **2:14**
